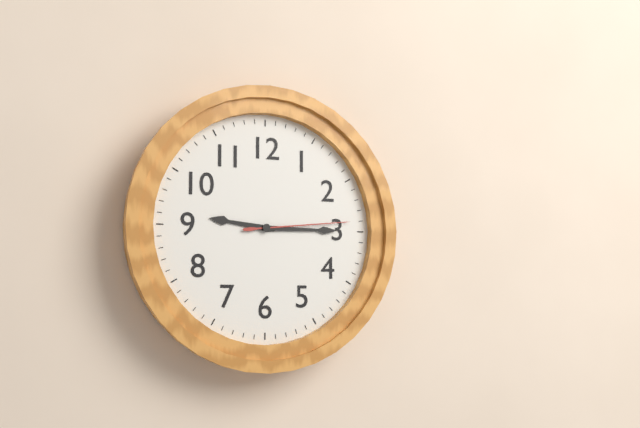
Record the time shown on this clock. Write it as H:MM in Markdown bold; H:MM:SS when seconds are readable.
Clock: **9:15:14**
